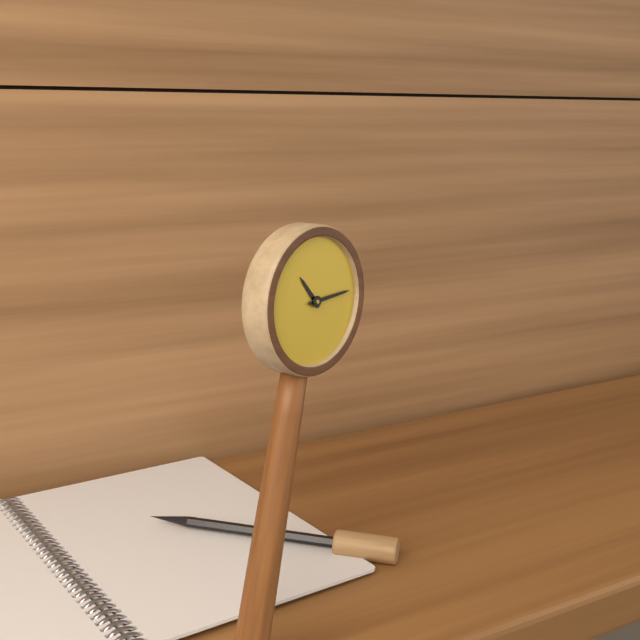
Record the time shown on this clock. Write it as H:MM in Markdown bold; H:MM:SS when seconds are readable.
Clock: **10:12**
